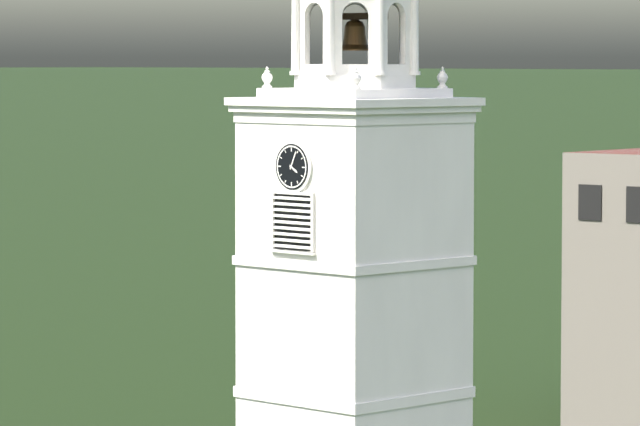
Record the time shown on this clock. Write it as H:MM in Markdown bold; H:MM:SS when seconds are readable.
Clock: **4:04**
